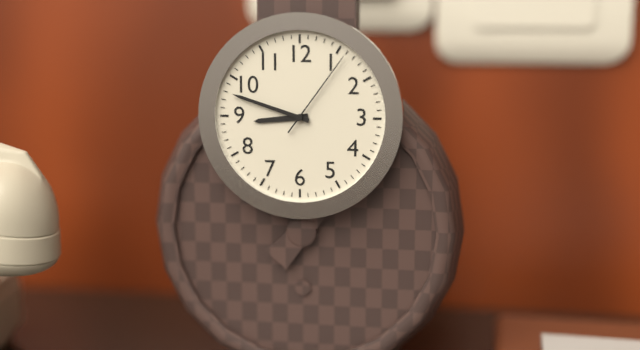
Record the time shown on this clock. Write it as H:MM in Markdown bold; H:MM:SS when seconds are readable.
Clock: **8:48:06**
